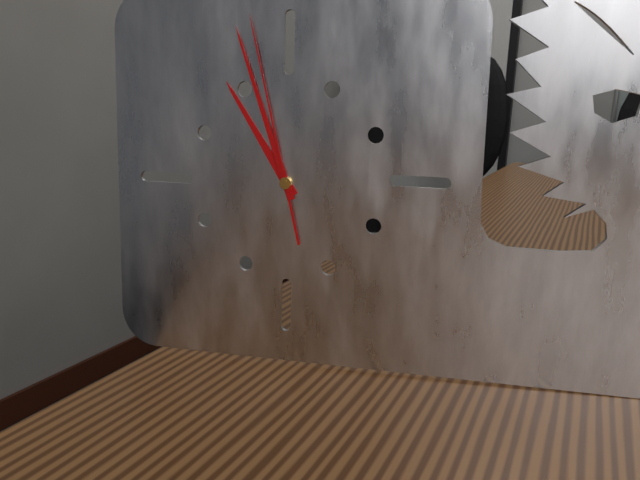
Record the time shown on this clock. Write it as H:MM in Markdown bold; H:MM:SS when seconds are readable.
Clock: **10:57:58**
